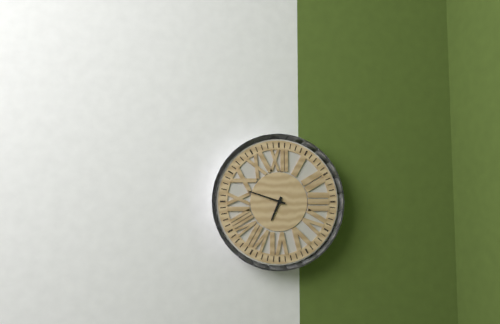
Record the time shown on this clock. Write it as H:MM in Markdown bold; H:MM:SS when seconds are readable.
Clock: **6:48**
